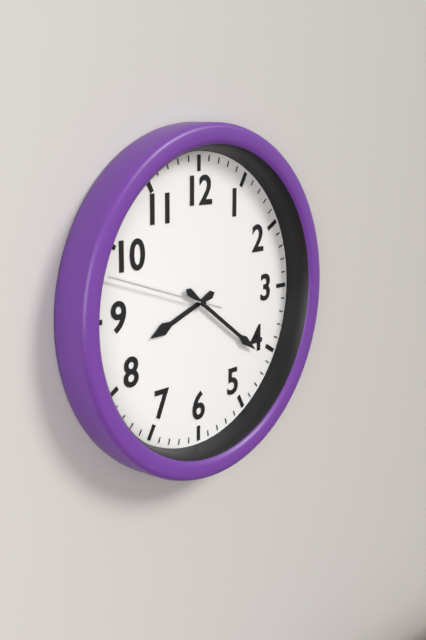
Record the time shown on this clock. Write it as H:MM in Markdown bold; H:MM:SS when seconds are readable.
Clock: **8:21:48**
